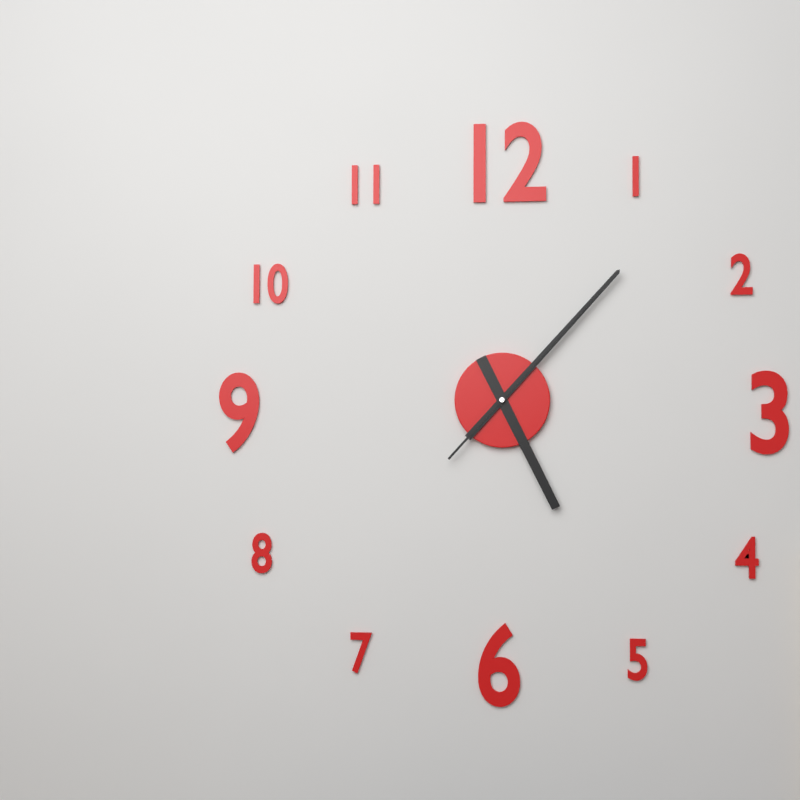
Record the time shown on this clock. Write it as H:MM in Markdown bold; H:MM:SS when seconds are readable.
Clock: **5:07:07**
